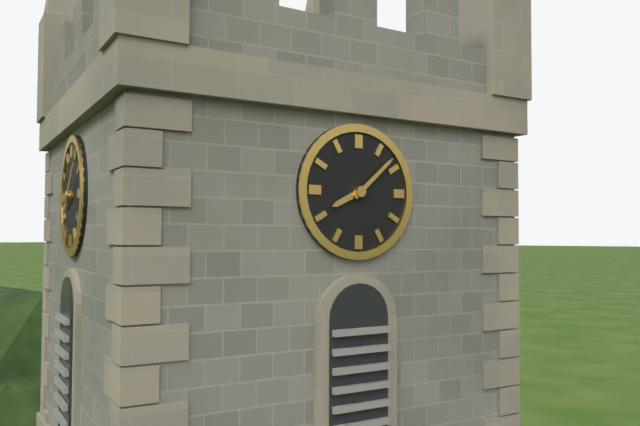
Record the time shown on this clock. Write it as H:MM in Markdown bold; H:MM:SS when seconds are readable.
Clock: **8:08**
